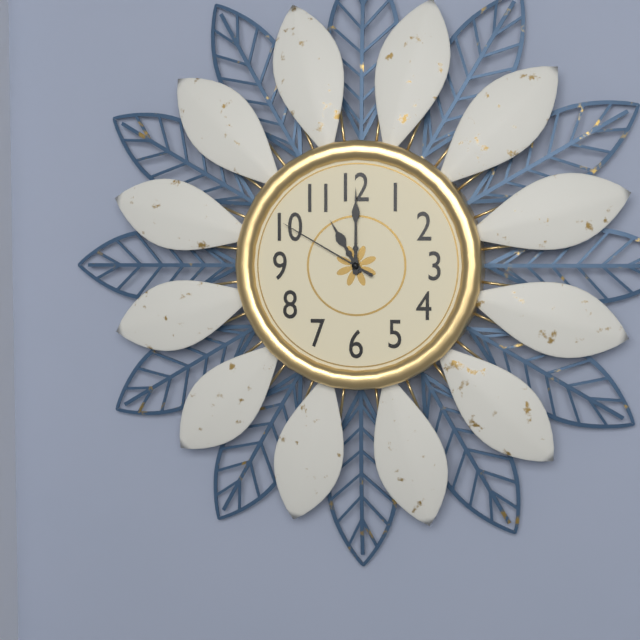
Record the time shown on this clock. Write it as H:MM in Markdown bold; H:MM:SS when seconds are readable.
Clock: **11:00:50**
